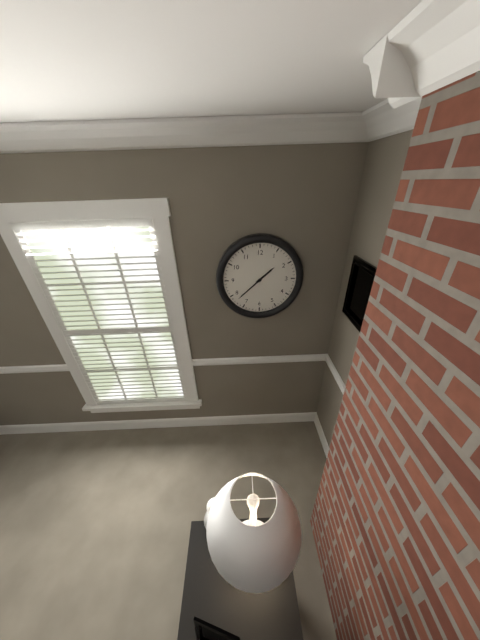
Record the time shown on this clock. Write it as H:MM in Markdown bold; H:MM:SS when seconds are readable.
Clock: **1:38**
